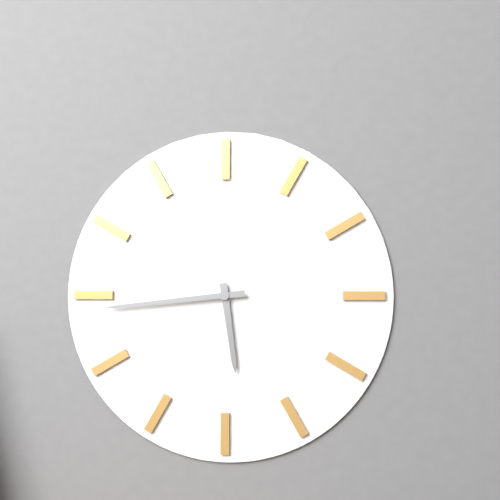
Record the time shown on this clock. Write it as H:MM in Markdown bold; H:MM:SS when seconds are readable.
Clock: **5:44**
